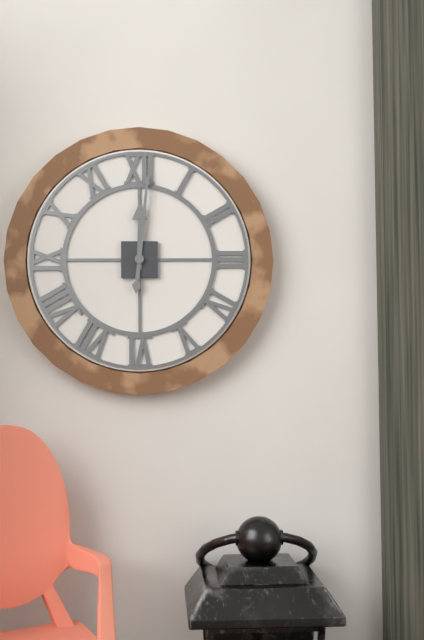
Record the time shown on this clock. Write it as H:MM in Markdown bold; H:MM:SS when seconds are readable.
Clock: **12:01**
